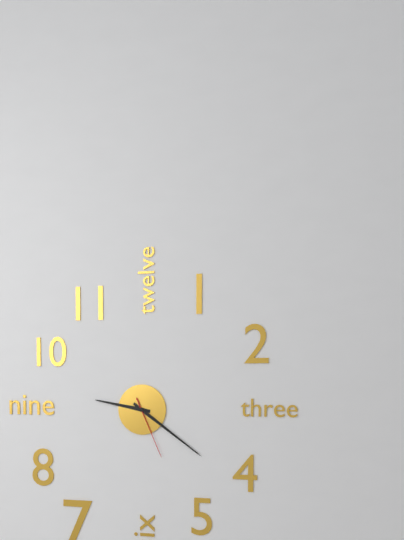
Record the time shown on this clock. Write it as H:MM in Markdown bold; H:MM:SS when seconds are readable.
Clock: **9:21:26**
